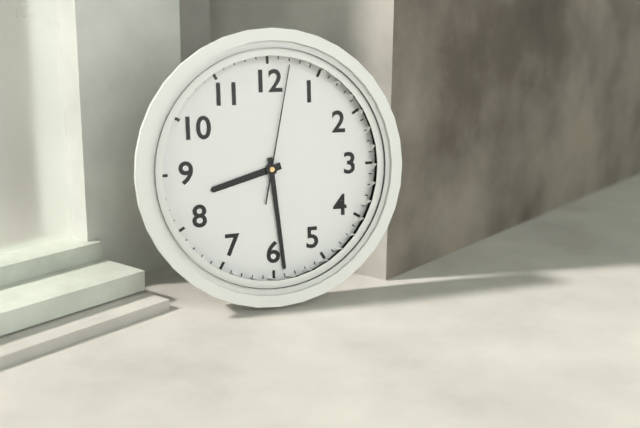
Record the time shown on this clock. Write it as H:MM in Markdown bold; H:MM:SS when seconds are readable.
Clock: **8:29:02**
